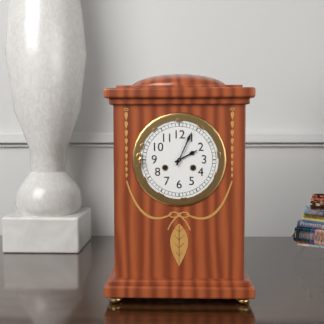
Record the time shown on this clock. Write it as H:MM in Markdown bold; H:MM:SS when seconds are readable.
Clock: **2:04**
